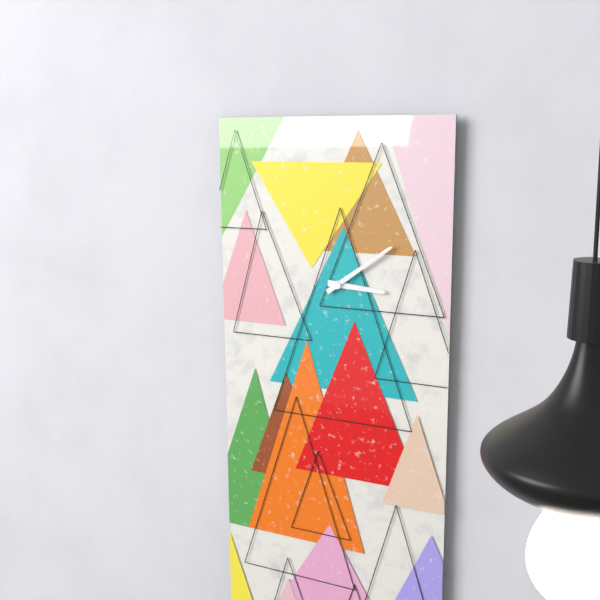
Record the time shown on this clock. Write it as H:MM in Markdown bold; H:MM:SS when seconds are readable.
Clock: **3:09**
